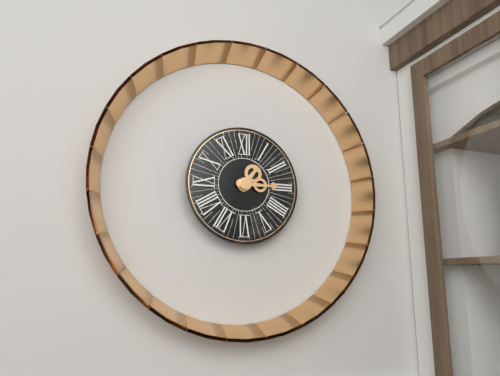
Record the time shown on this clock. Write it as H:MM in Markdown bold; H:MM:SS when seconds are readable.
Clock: **1:15**
